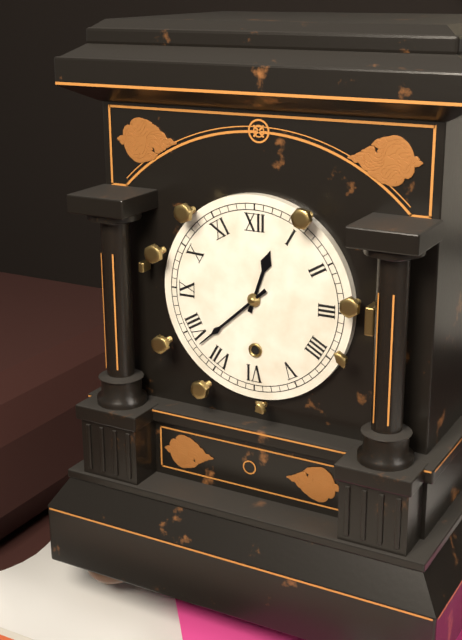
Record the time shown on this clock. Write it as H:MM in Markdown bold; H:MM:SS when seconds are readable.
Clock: **12:38**
